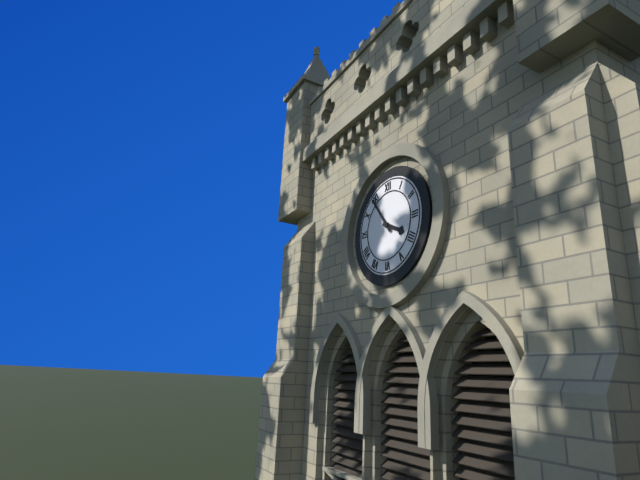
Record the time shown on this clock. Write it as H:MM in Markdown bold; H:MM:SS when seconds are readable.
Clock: **3:54**
